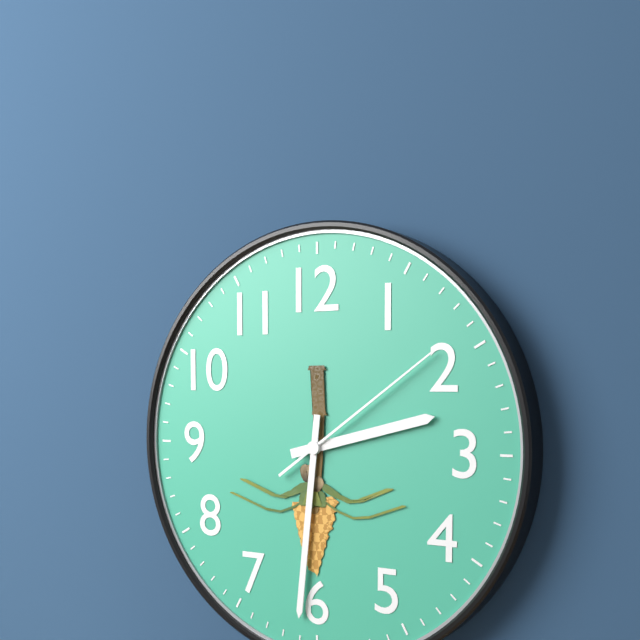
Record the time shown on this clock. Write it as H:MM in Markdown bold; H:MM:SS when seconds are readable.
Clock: **2:31:09**
